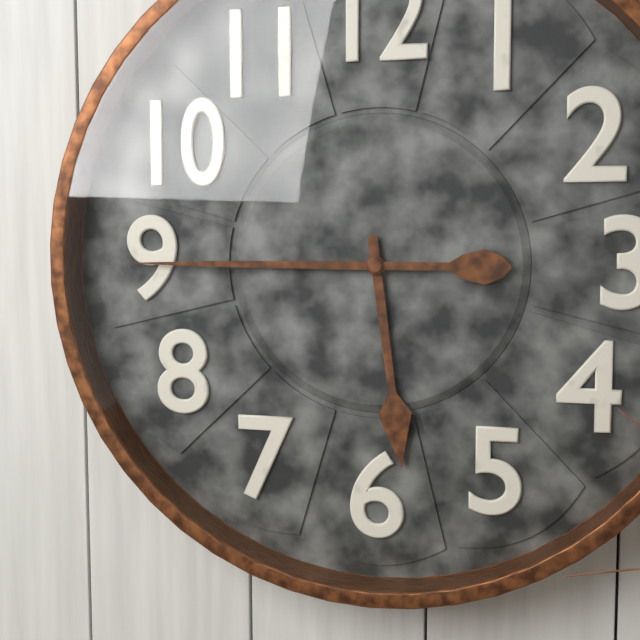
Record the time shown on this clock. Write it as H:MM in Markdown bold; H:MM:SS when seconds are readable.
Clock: **5:45**
